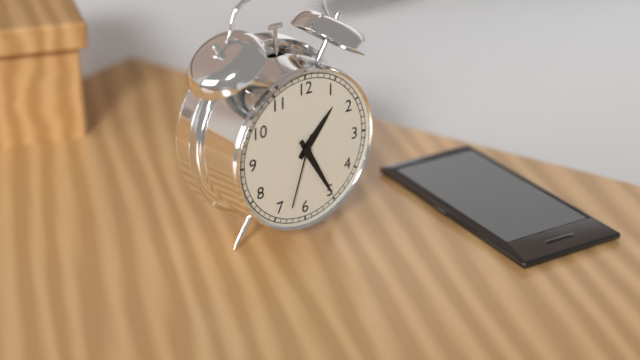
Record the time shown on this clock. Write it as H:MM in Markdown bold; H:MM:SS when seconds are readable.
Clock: **1:25:33**
